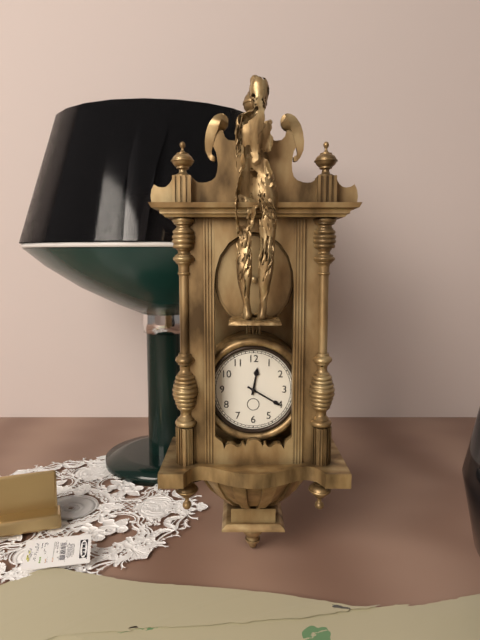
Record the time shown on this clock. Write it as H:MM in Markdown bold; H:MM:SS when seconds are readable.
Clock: **12:20**
